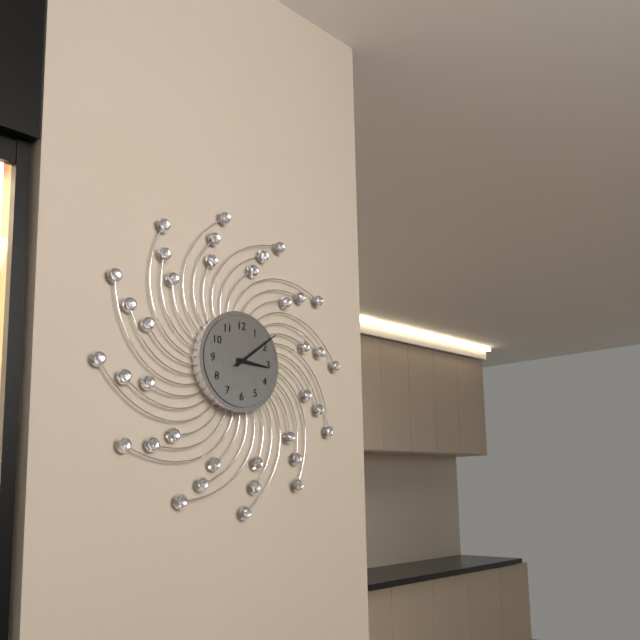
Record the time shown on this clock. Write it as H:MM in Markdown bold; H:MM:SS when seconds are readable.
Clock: **3:09**
